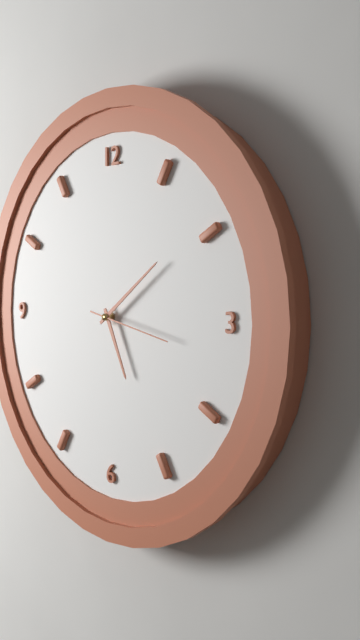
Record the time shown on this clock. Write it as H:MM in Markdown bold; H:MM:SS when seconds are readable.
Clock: **5:09:17**
